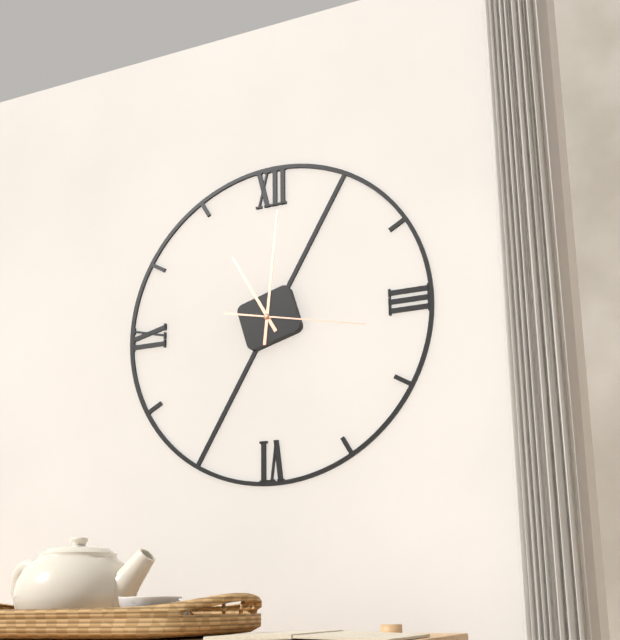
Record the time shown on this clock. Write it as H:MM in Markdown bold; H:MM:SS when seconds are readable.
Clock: **11:01:17**
